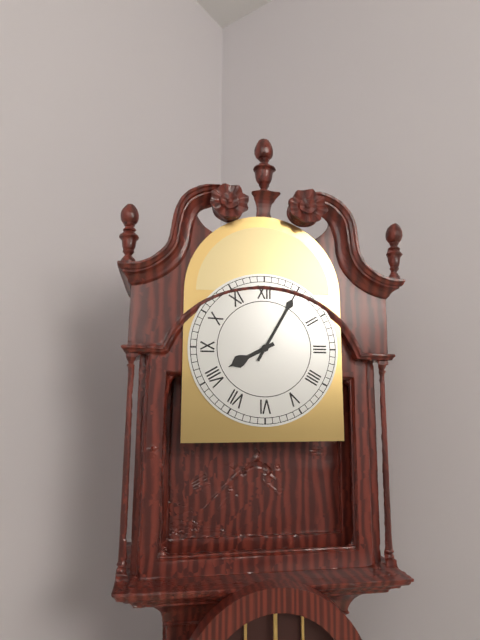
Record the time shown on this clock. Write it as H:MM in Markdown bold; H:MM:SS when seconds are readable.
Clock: **8:05**
